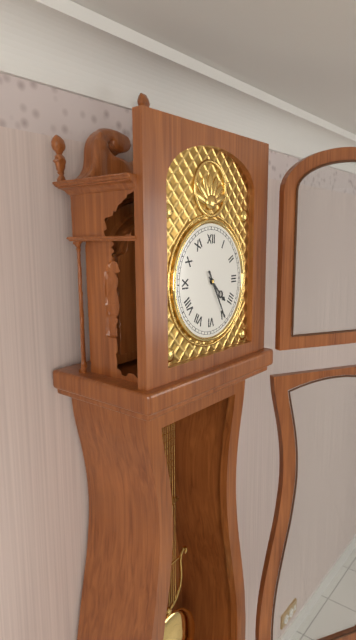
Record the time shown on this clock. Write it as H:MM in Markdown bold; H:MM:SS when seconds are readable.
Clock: **4:25**
